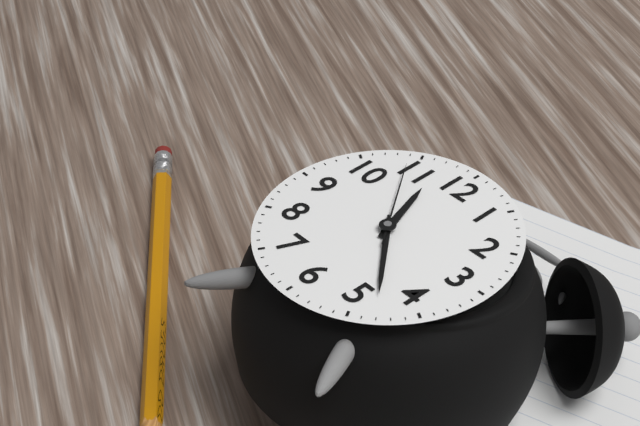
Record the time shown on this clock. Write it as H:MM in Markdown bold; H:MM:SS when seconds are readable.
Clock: **11:23:54**
